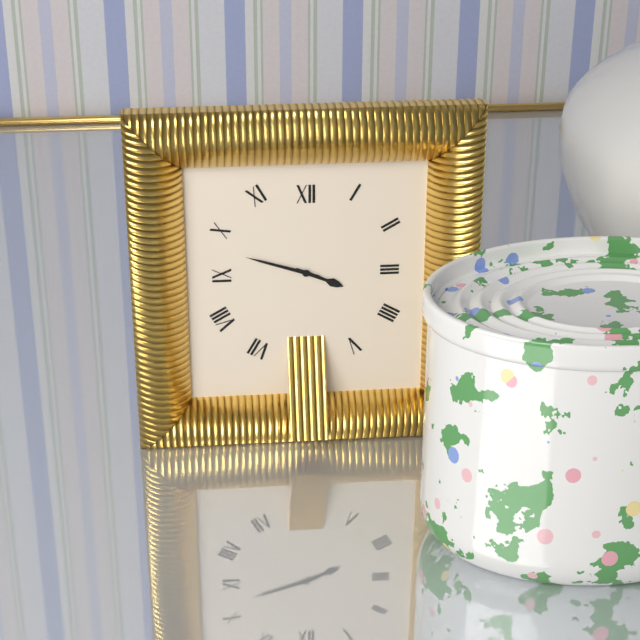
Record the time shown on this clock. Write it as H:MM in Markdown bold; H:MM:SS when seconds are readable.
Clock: **3:48**
